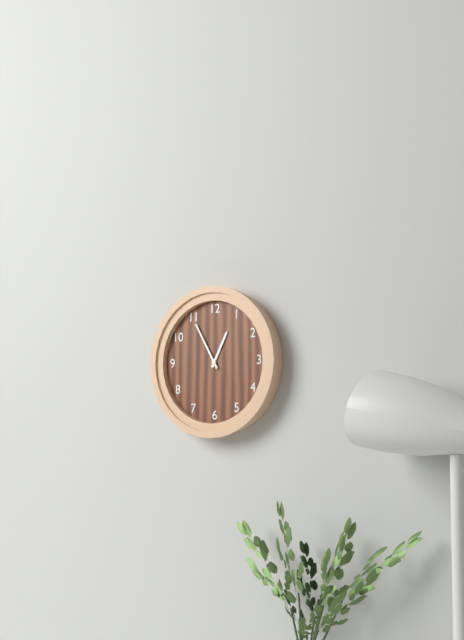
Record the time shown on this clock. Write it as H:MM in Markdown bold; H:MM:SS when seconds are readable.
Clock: **12:55**
